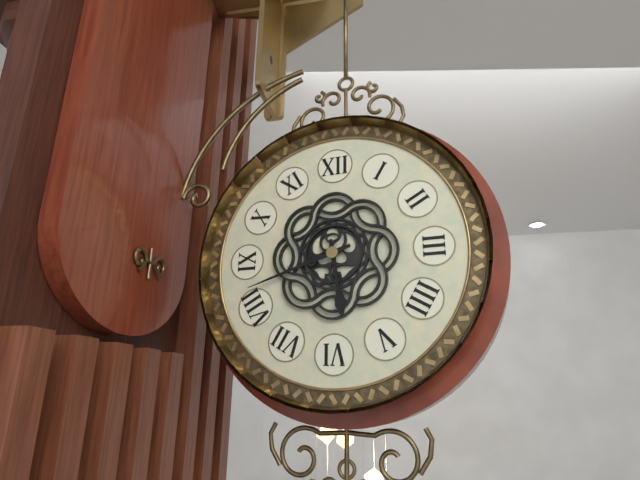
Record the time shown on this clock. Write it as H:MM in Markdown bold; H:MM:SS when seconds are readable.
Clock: **5:42**
